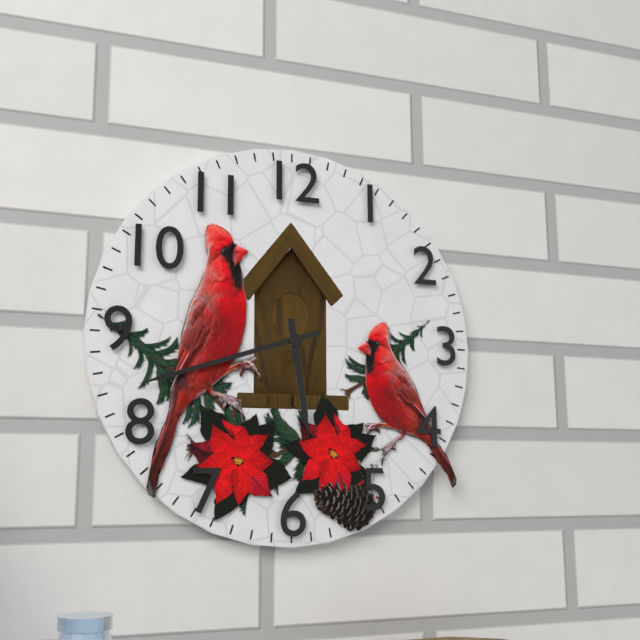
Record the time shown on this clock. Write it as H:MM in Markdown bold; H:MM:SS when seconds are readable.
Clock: **5:42**
